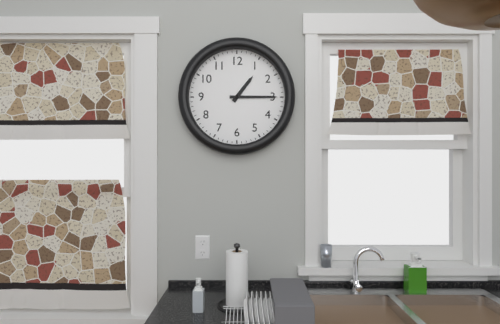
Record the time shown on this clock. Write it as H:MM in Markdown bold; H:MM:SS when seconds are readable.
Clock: **1:15**
